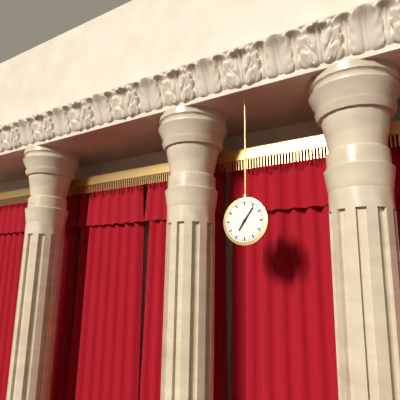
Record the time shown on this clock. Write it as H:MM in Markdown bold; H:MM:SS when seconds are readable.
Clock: **7:06**
